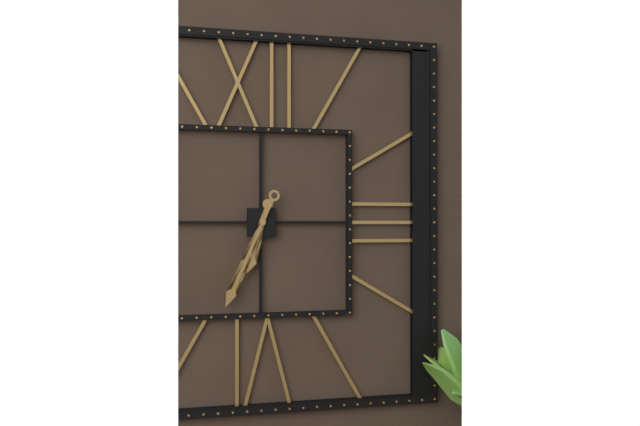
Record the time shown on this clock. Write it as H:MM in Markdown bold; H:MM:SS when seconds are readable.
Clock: **6:34**
